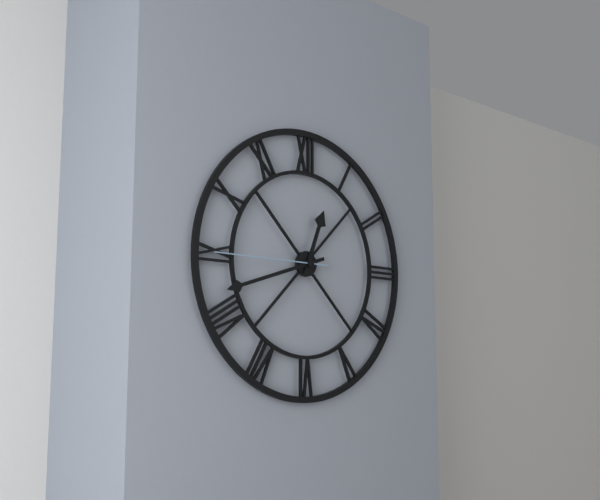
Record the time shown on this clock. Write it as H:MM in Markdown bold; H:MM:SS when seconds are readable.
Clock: **12:42:45**
